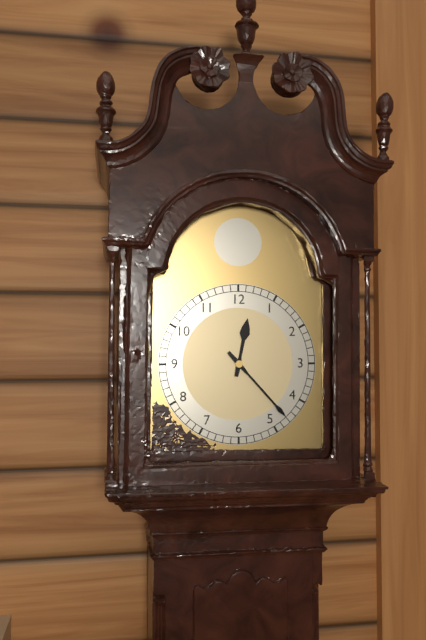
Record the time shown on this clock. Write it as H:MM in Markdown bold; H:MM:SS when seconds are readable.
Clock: **12:23**
